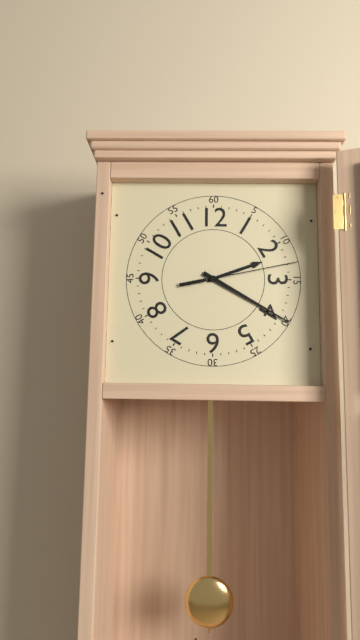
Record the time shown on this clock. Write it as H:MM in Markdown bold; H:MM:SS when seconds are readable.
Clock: **2:20:13**
